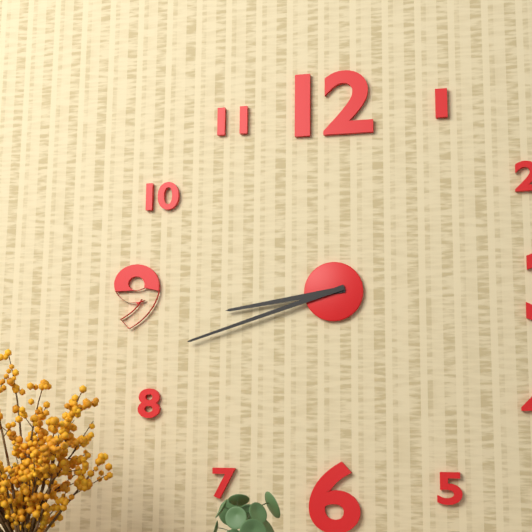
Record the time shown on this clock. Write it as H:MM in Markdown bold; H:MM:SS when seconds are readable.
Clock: **8:42**
